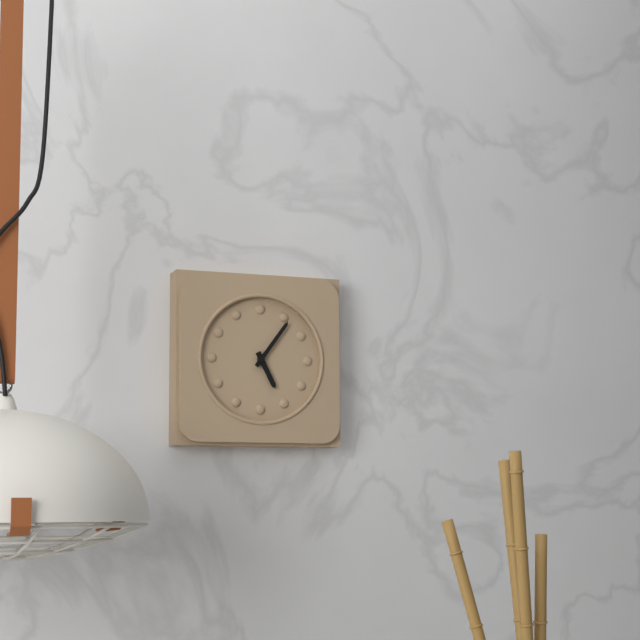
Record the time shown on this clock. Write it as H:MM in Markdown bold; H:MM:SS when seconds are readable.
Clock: **5:06**
